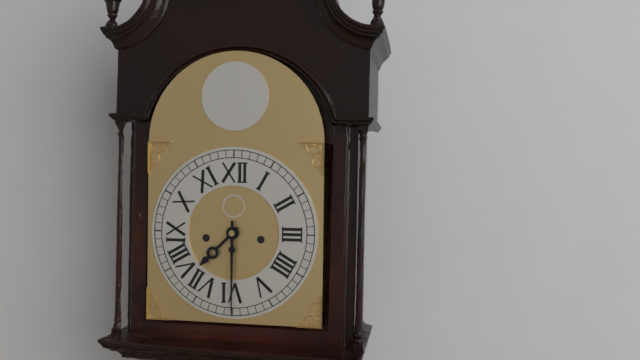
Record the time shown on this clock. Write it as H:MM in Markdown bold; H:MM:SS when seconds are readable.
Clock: **7:30**
